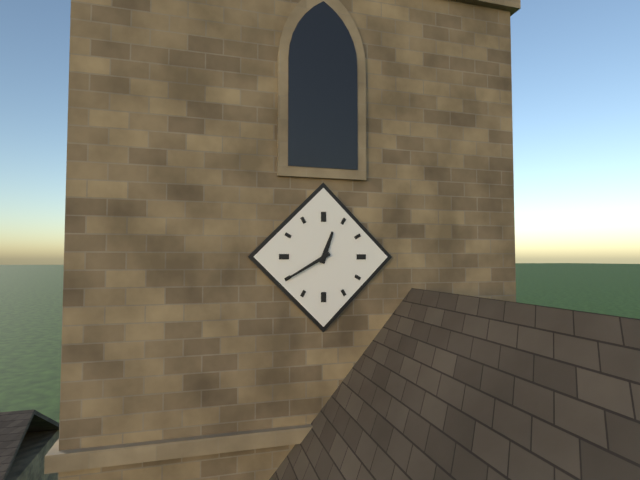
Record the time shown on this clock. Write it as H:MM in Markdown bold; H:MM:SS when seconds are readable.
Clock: **12:40**
